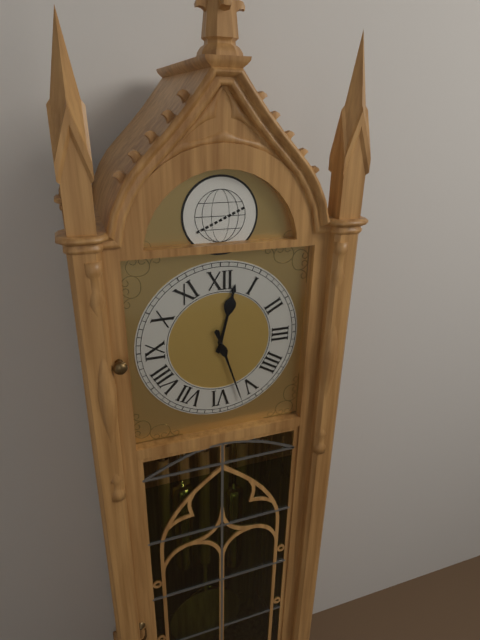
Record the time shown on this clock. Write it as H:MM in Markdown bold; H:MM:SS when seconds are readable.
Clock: **12:27**
